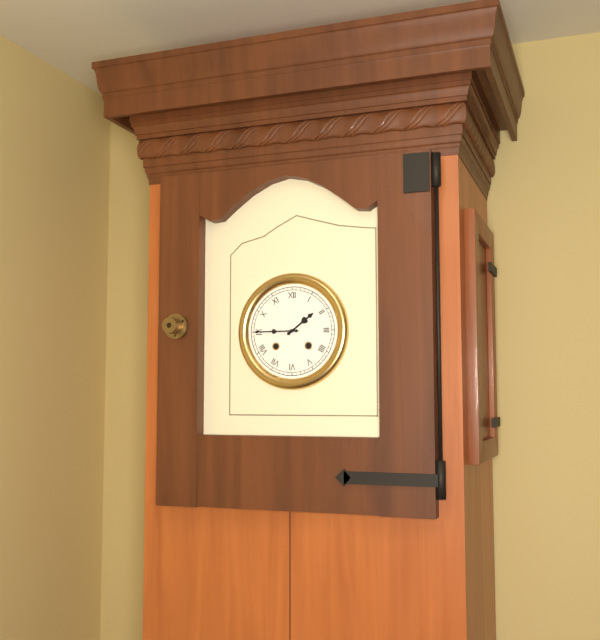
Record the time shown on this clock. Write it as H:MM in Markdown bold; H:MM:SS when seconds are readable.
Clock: **1:45**
